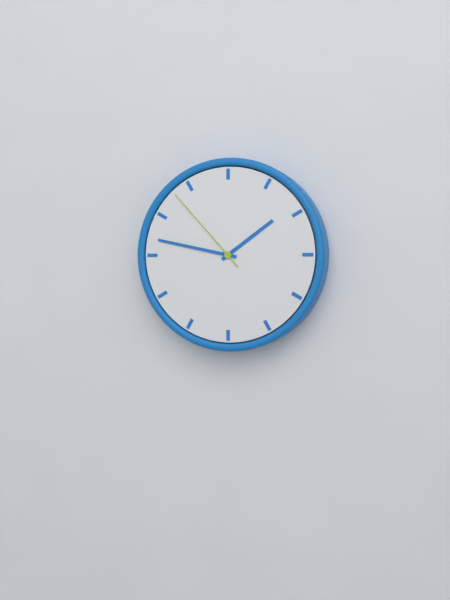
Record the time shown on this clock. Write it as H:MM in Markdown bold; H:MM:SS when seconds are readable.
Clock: **1:47:53**
